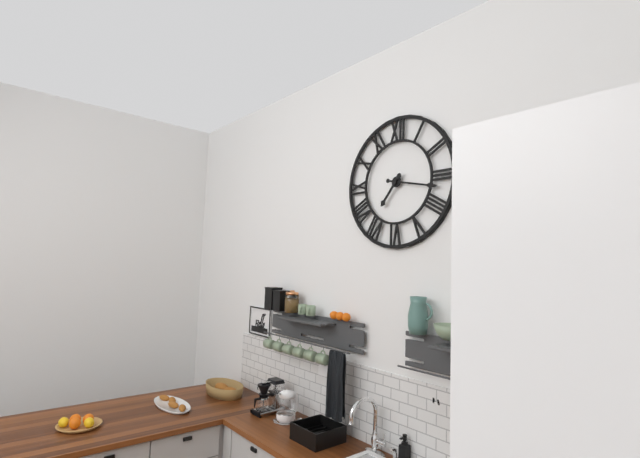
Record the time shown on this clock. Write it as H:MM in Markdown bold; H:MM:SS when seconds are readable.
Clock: **7:17**
